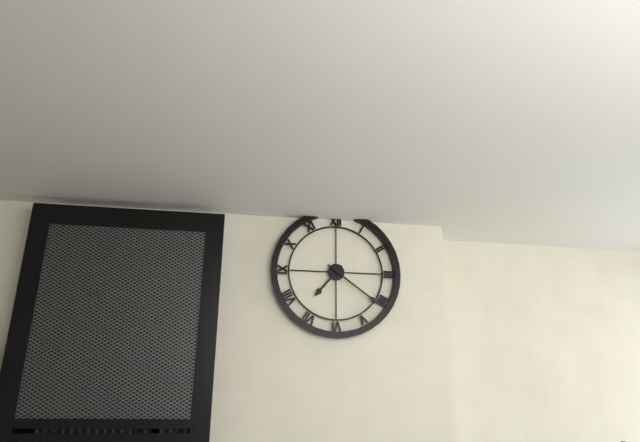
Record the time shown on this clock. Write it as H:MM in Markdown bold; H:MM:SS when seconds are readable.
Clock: **7:21**
